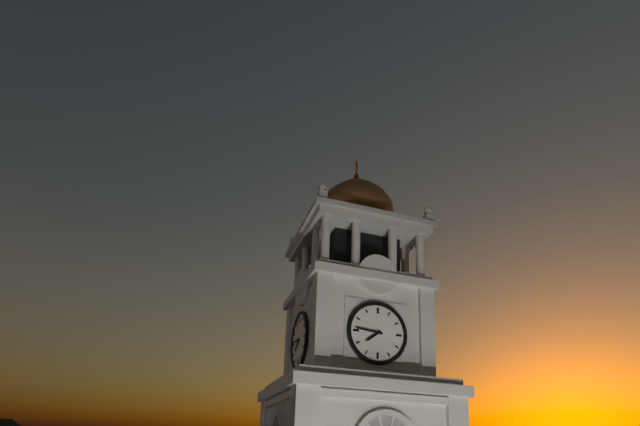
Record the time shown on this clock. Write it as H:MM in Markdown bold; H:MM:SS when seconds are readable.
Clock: **7:46**
